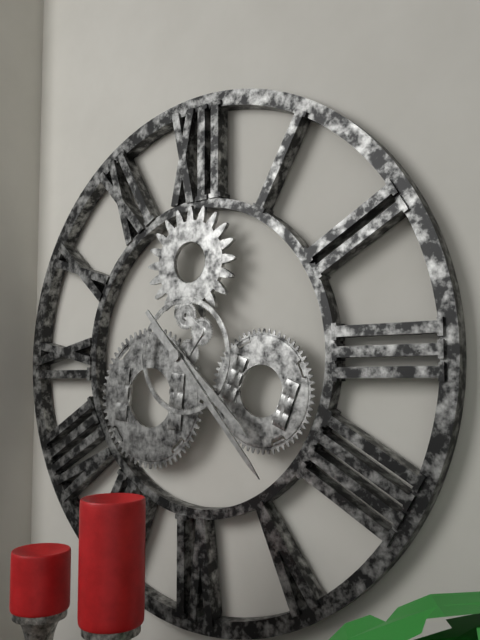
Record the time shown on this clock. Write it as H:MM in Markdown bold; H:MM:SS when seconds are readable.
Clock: **4:23**
